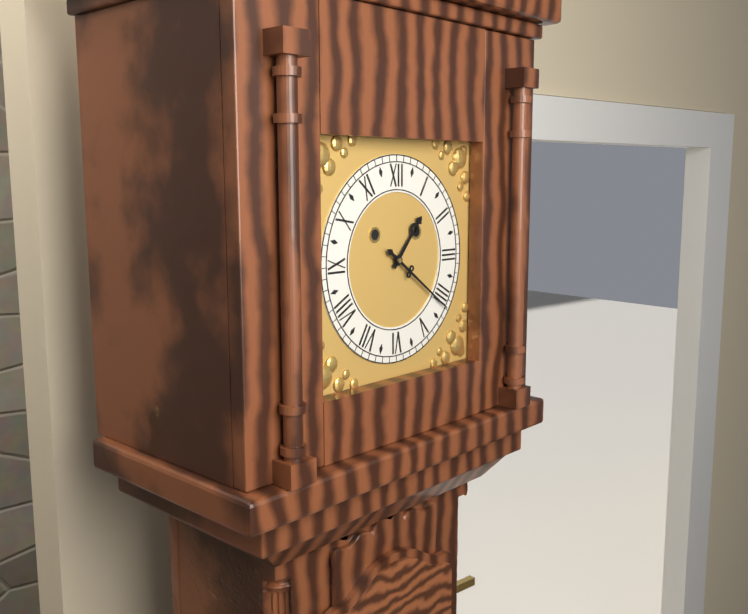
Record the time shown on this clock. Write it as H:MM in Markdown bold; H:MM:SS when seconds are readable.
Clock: **1:21**
